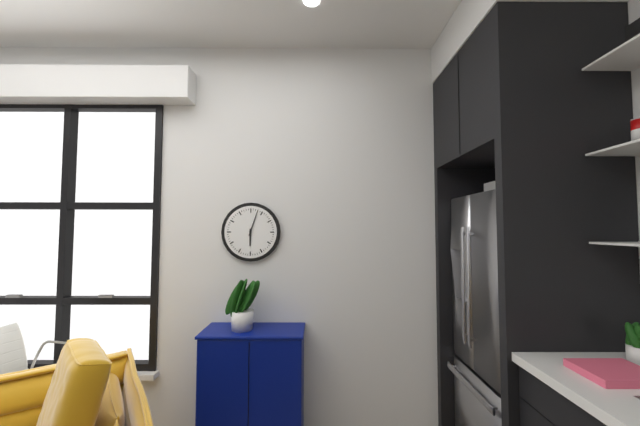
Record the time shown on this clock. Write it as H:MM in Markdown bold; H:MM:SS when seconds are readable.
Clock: **6:03**
